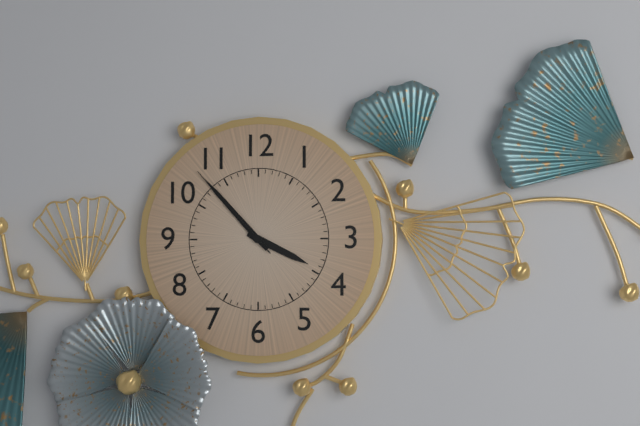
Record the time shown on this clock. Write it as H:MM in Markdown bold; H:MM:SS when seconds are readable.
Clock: **3:53:53**
